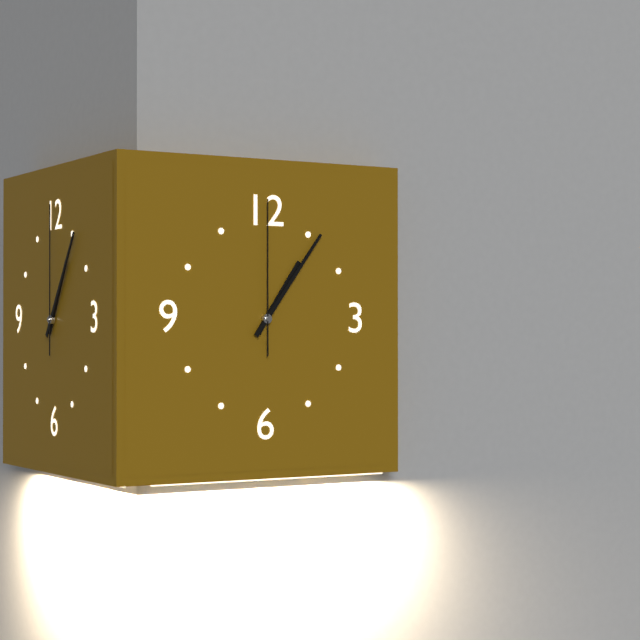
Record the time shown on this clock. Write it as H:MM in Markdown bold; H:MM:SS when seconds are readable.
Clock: **1:06:00**
